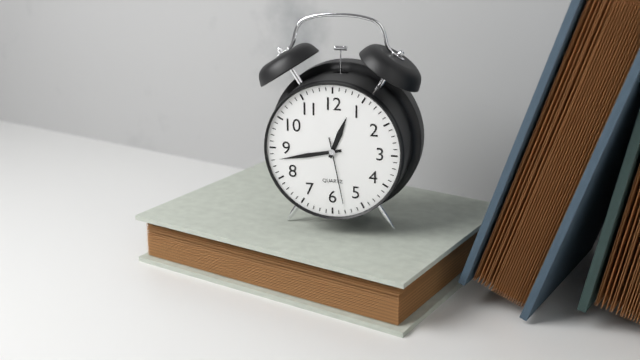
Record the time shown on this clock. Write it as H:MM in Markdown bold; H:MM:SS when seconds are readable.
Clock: **12:43:28**
